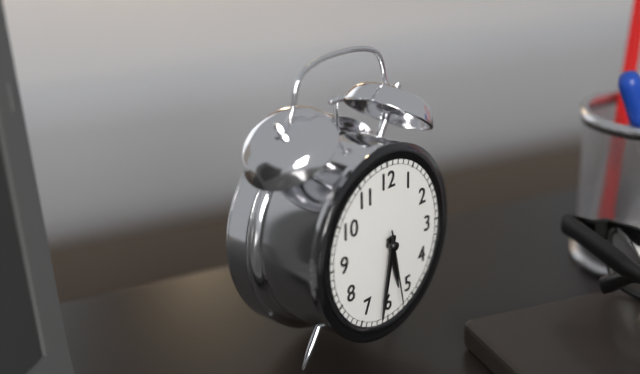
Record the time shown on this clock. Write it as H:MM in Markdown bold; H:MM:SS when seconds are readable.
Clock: **5:32:28**
